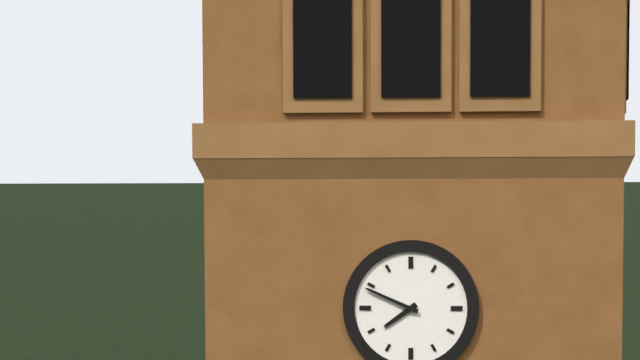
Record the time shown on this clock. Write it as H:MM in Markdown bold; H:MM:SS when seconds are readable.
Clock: **7:49**
